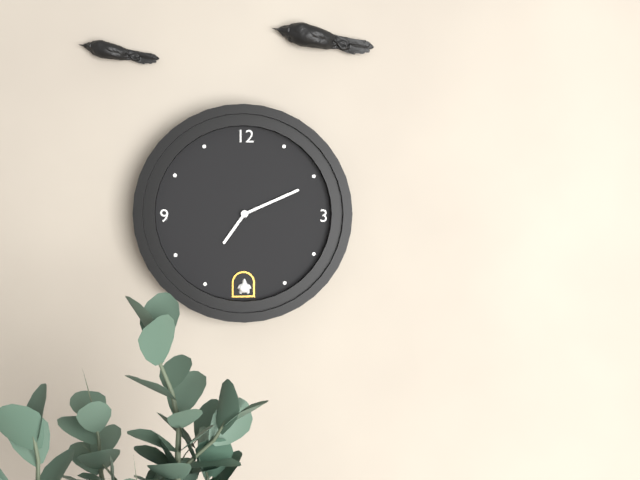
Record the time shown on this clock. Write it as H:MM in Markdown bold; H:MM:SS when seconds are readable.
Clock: **7:11**
